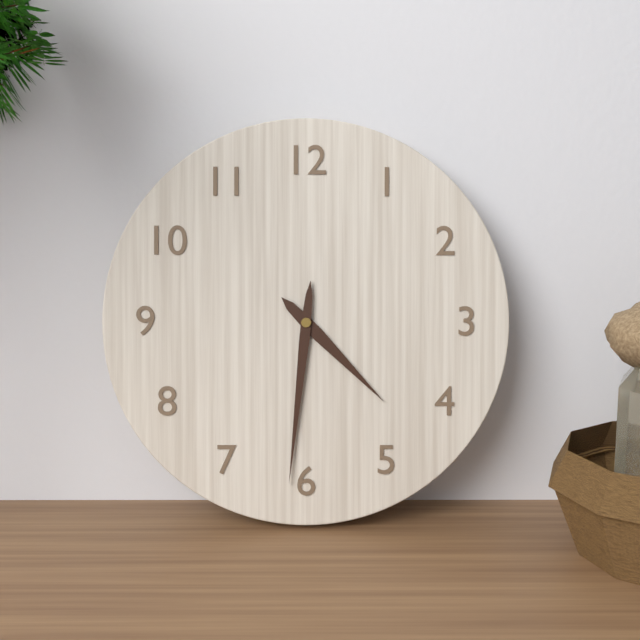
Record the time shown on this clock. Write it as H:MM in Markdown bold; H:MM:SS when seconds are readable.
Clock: **4:31**
